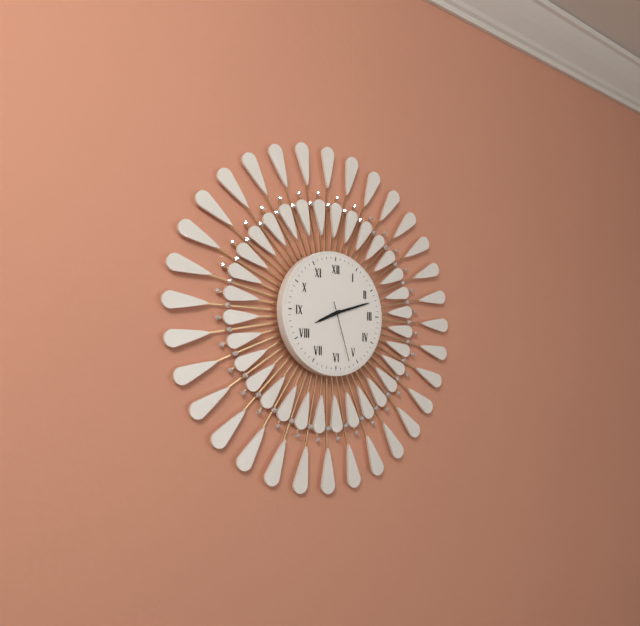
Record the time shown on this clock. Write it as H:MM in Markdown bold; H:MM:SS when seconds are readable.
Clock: **8:12:27**
